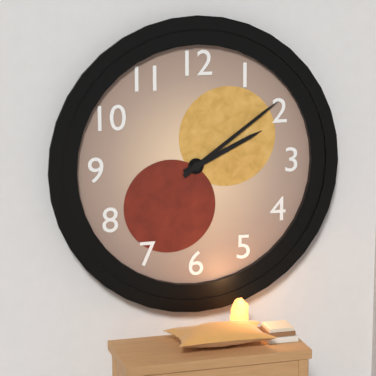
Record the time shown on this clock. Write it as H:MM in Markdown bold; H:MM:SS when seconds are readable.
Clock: **2:09**
